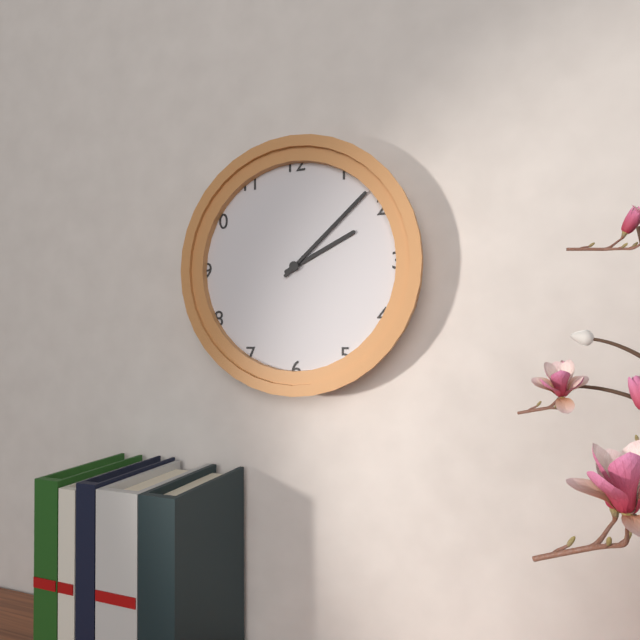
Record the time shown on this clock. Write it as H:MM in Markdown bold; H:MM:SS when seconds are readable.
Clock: **2:08**
